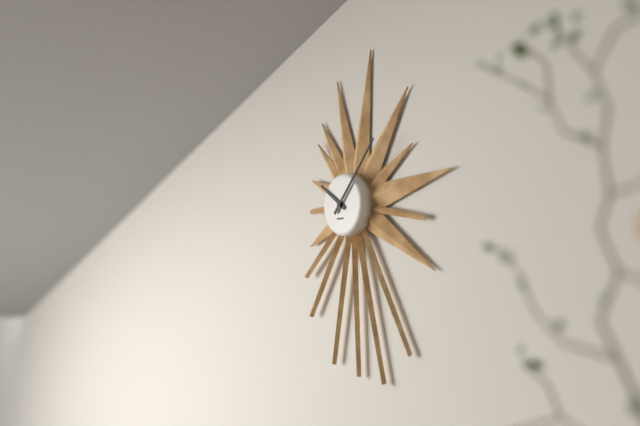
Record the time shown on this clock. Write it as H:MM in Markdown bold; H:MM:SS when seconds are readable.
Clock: **10:07**
